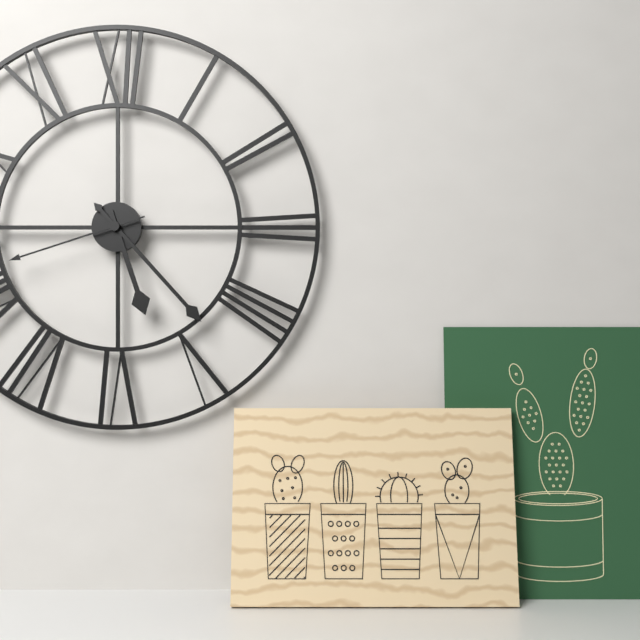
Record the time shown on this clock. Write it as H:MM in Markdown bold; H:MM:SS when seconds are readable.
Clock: **5:23:42**
